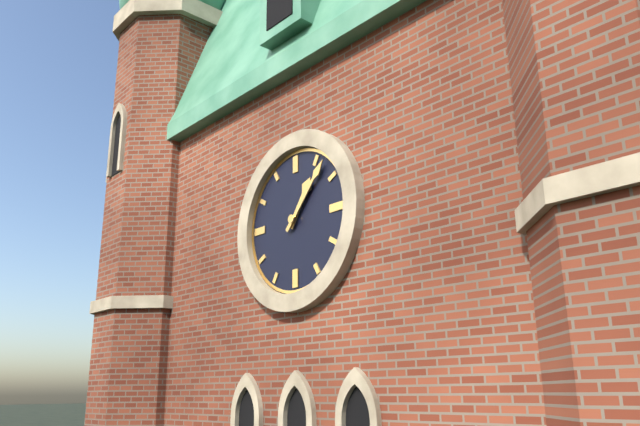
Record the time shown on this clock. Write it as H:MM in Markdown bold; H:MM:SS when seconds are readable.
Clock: **1:07**
